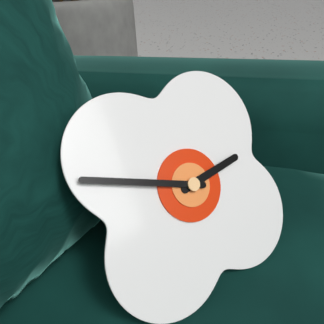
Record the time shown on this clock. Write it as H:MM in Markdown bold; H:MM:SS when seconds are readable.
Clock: **2:49**
